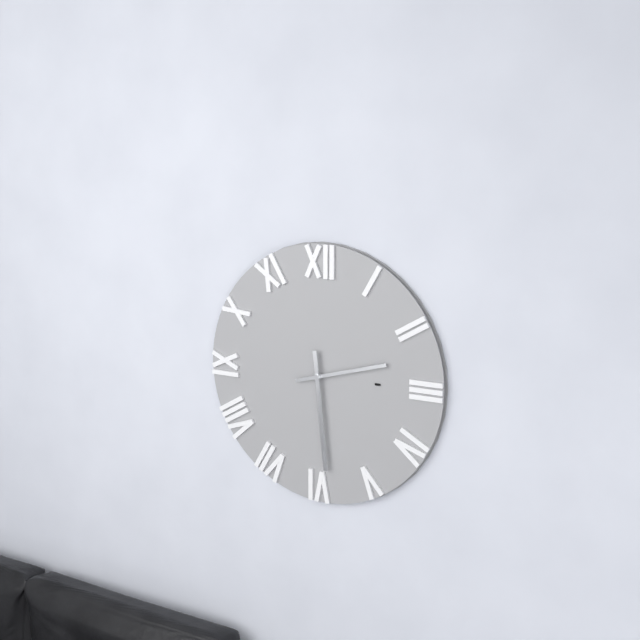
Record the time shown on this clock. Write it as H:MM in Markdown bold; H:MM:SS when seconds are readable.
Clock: **2:29**
